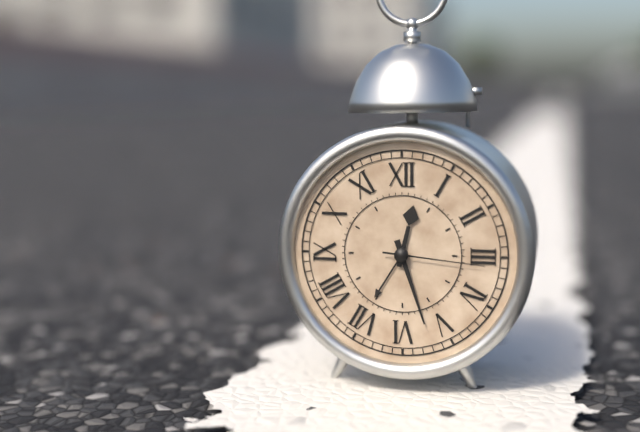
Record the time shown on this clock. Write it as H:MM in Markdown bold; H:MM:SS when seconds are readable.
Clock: **12:27:16**
